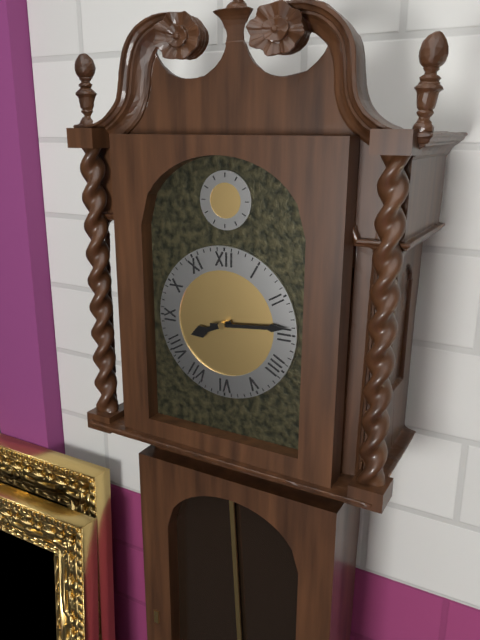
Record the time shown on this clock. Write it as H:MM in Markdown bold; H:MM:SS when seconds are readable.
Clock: **8:14**
